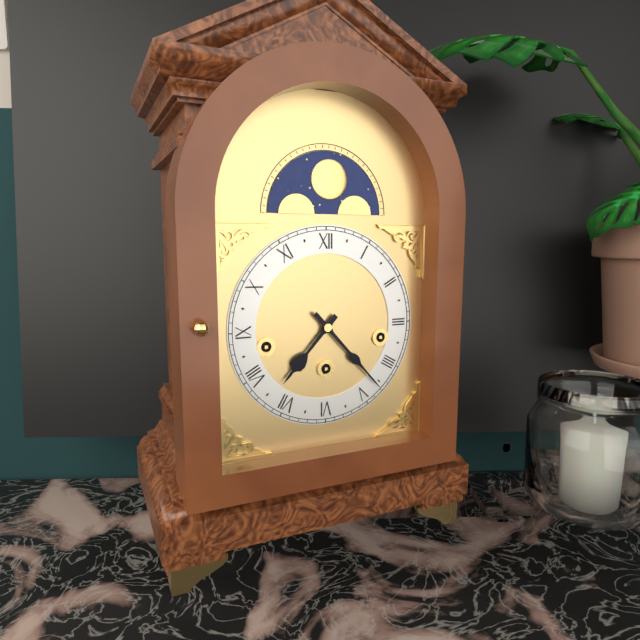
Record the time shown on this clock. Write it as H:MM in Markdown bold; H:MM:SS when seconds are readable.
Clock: **7:23**
